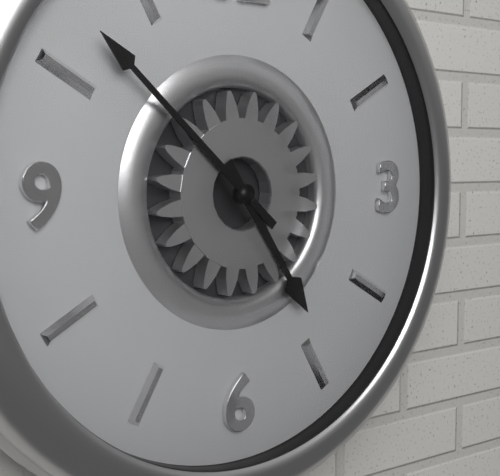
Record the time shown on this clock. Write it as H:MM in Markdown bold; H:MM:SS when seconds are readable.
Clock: **4:52**
